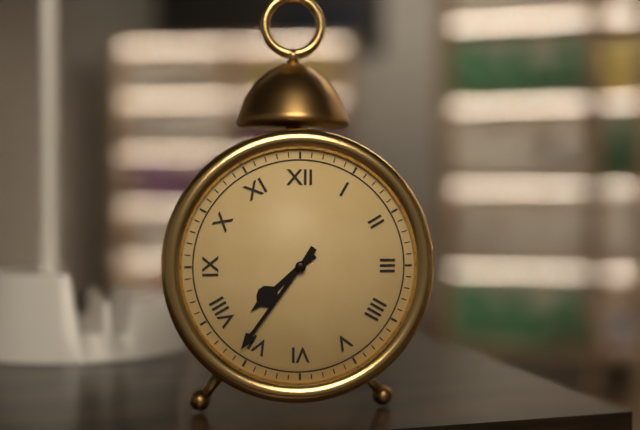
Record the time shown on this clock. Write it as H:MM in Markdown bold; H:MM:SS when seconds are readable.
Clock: **7:36**
